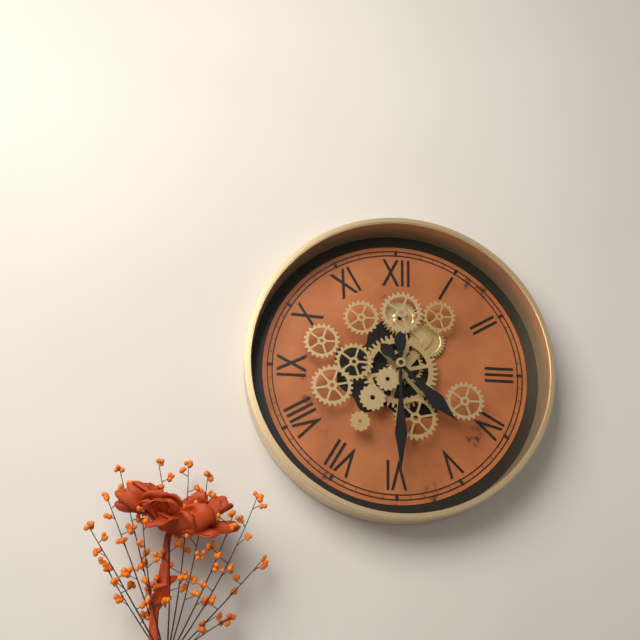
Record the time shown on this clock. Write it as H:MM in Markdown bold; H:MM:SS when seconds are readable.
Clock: **4:30**
